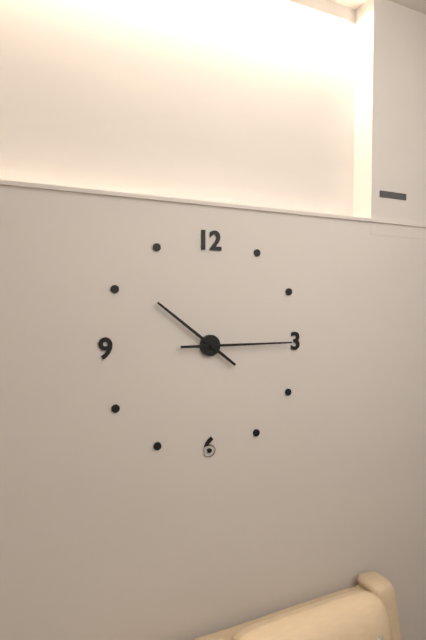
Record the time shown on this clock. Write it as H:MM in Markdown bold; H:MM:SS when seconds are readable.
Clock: **10:15**
